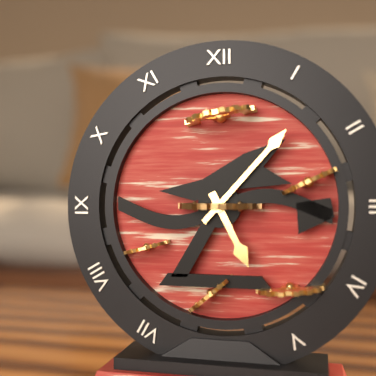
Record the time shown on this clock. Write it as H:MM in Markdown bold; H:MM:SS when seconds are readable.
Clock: **5:07**
